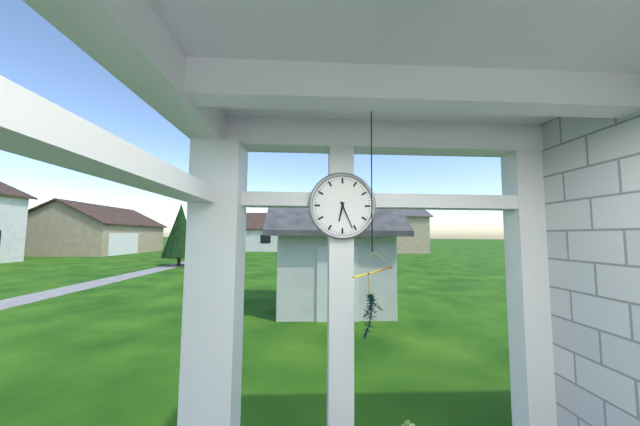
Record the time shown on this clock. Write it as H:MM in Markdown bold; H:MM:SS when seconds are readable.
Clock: **6:26**
